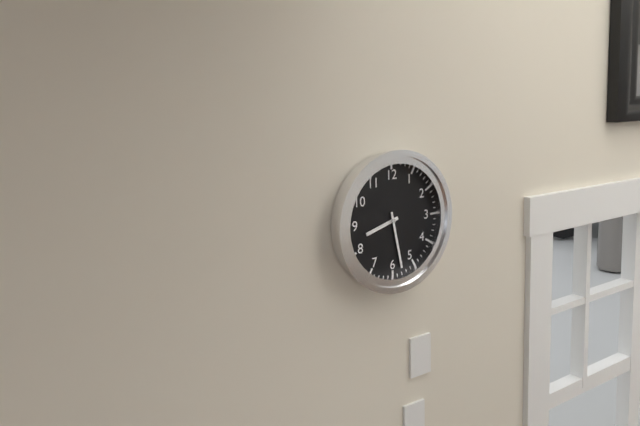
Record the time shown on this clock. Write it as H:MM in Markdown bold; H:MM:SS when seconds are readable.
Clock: **8:28**
